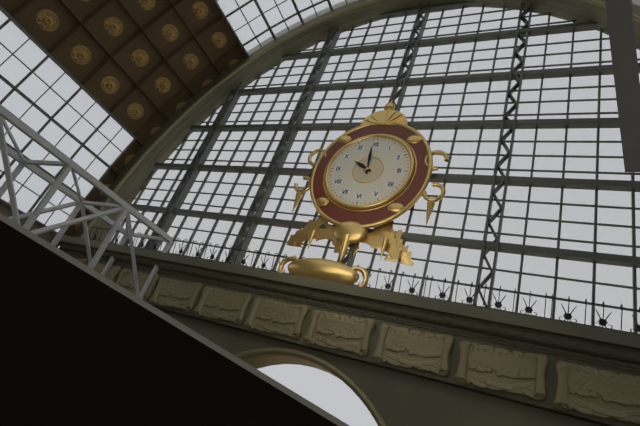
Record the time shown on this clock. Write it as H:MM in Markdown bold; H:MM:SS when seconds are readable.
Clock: **9:59**
